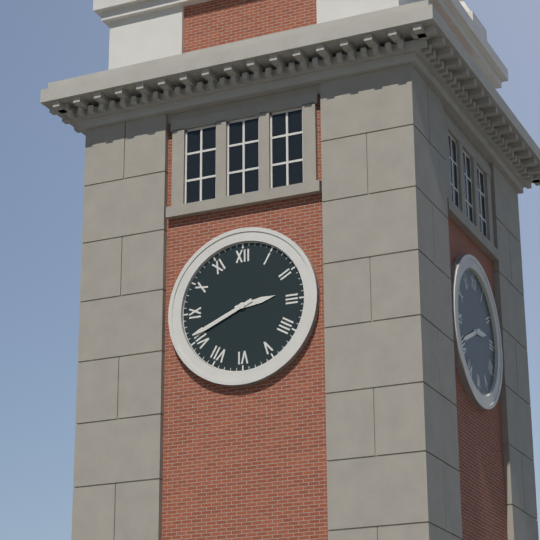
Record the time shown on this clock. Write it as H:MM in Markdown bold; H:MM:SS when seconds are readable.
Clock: **2:41**
